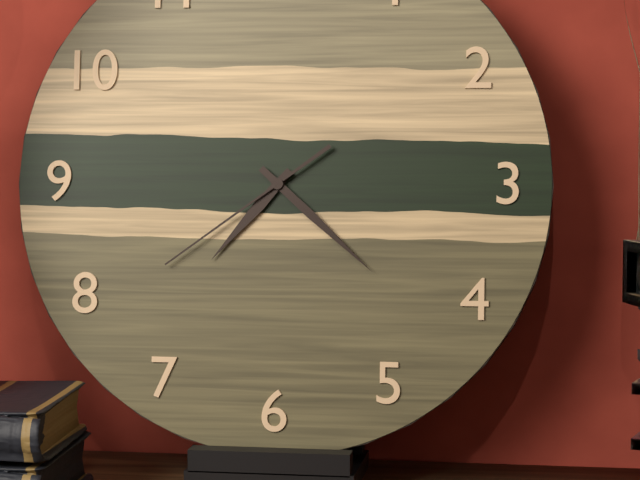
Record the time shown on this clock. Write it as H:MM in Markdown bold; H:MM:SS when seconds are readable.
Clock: **7:22:39**
